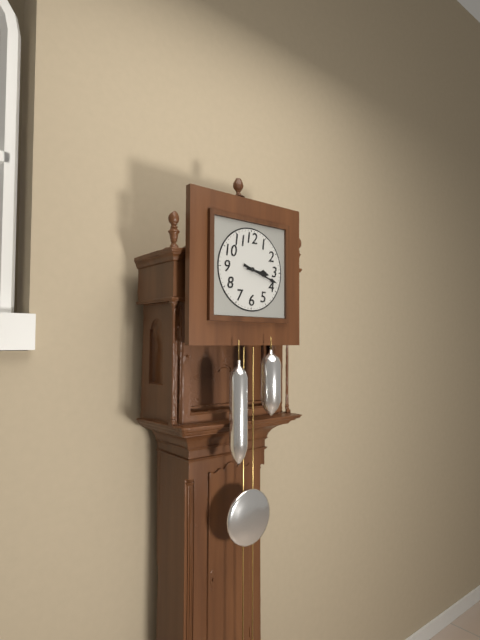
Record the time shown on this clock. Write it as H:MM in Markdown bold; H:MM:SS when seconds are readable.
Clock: **3:18**
